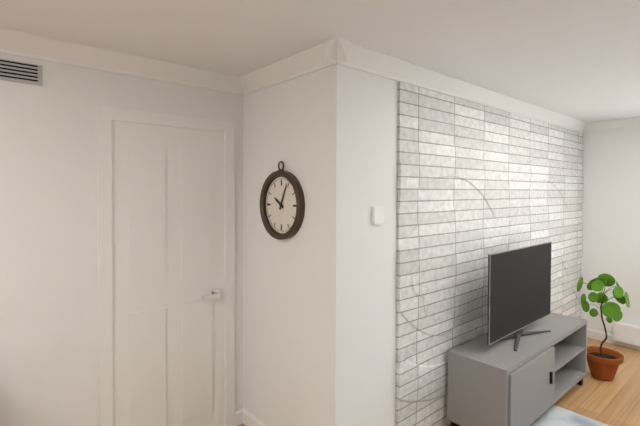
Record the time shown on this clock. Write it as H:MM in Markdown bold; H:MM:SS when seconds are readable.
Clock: **10:04**
